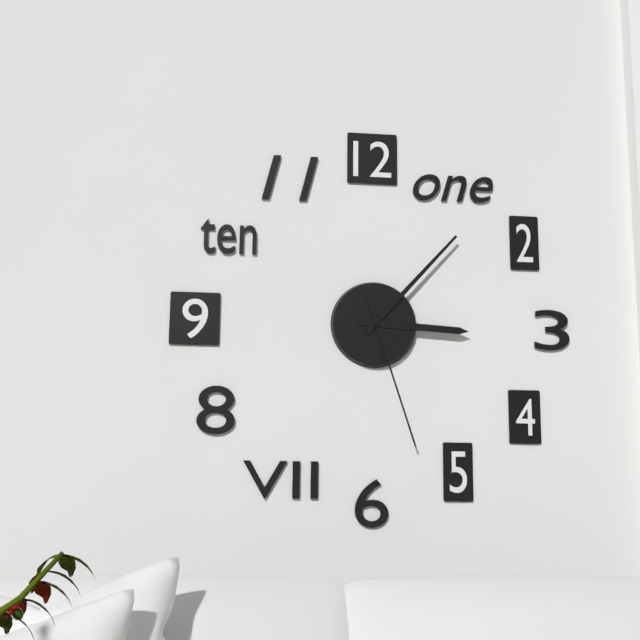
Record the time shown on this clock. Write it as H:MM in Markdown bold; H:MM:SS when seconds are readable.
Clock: **3:07:27**
